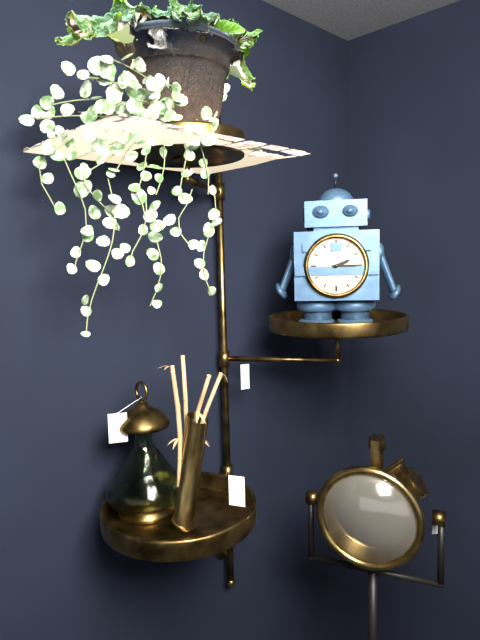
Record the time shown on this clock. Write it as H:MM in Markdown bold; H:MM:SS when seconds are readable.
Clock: **2:15**
